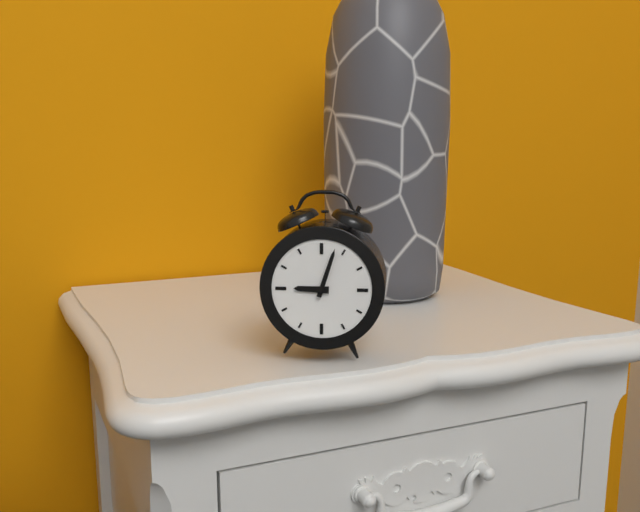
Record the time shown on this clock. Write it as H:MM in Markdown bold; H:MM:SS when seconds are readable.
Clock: **9:03**
